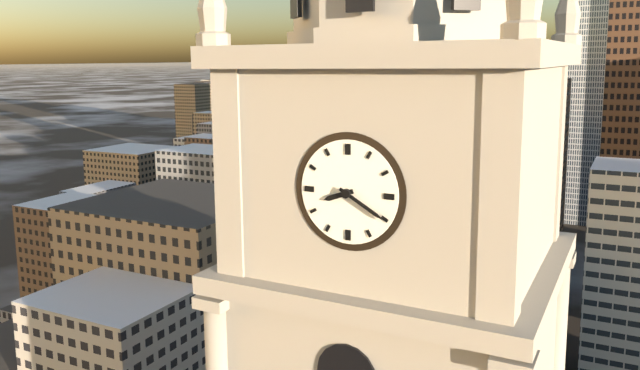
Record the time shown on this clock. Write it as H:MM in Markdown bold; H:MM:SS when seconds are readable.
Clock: **8:20**
